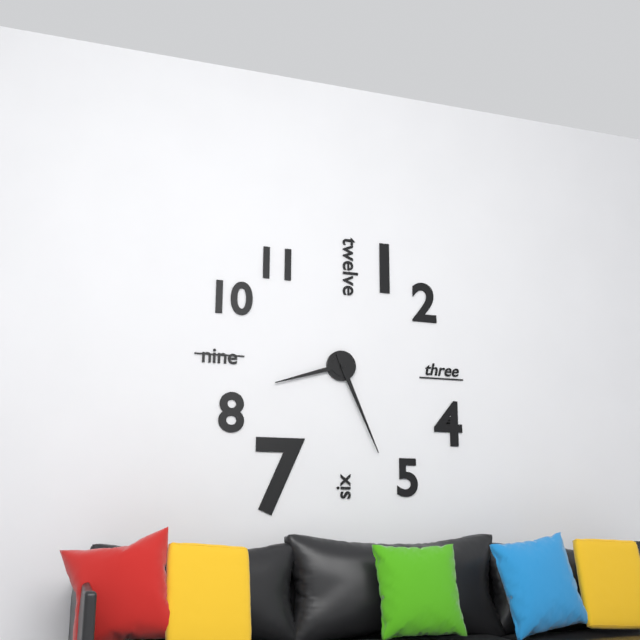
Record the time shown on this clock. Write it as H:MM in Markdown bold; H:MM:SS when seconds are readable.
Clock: **8:26**
